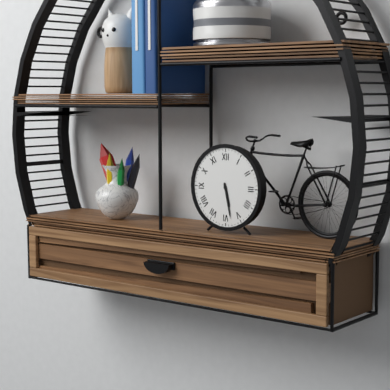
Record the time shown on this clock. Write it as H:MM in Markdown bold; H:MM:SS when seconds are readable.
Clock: **5:28**
